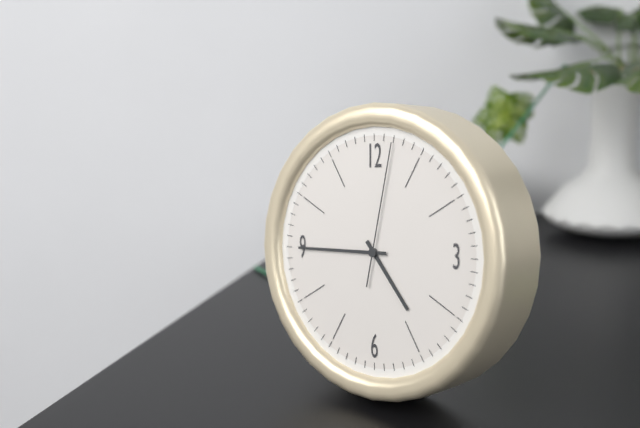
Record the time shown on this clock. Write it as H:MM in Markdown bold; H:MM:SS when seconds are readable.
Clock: **4:45:02**
